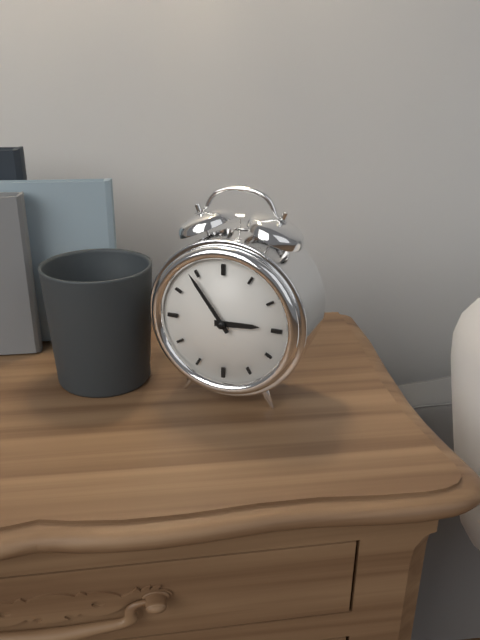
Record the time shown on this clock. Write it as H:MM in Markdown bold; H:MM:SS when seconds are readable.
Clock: **2:54**
